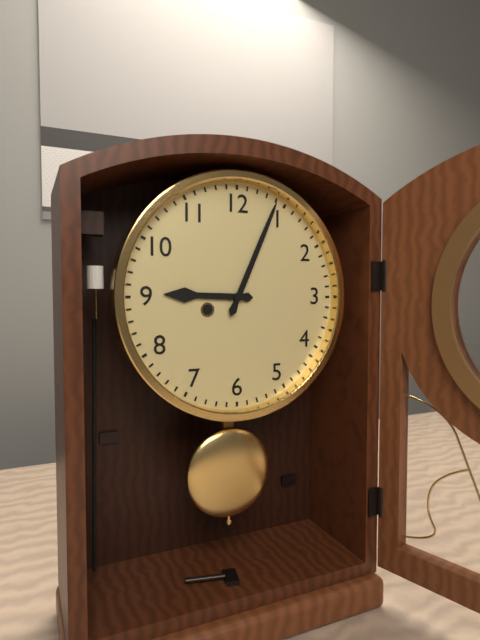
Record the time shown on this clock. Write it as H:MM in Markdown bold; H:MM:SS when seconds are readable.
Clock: **9:04**
